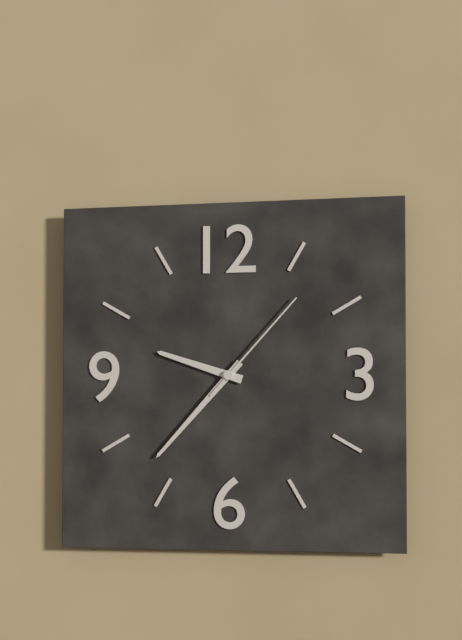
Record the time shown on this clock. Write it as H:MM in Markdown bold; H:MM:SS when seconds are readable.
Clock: **9:37:07**
